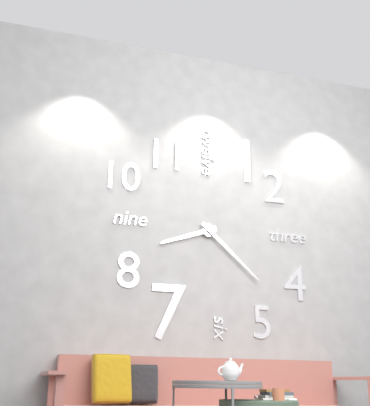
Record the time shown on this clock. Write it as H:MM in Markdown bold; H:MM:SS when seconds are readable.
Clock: **8:22**
